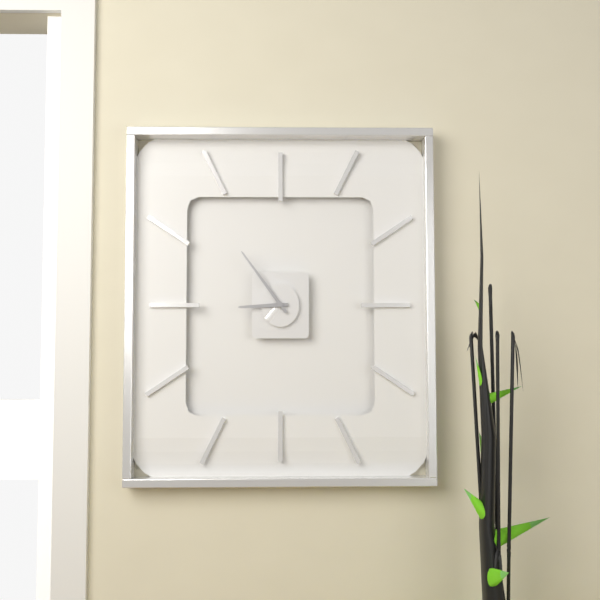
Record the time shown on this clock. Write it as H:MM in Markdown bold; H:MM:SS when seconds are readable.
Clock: **8:54**
